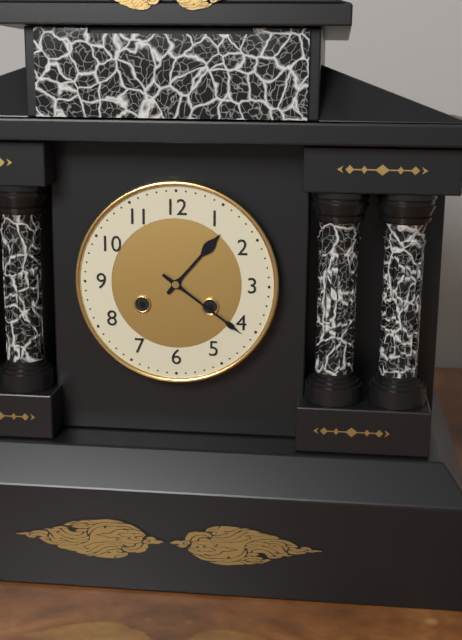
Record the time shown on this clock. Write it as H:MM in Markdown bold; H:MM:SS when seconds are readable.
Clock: **1:21**
